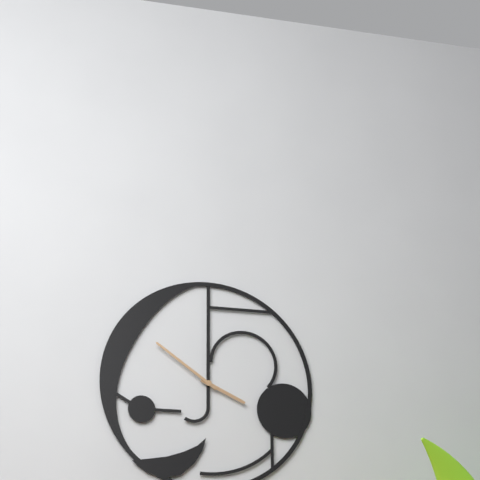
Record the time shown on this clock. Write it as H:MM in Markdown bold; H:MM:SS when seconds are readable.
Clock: **3:51**
